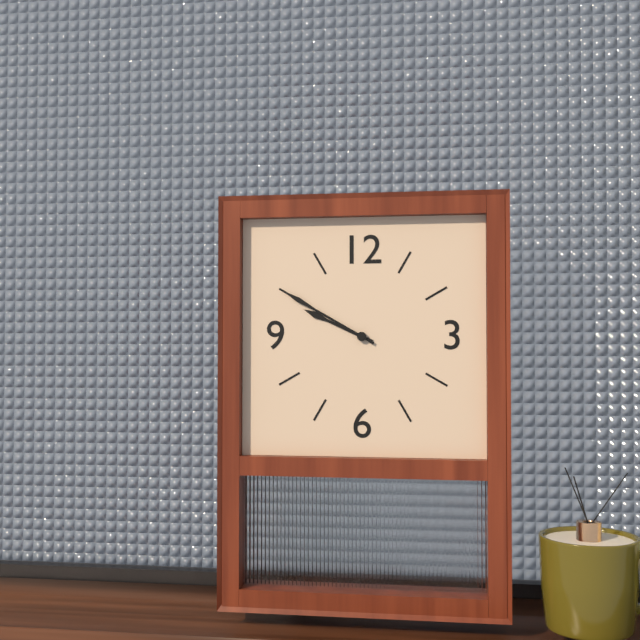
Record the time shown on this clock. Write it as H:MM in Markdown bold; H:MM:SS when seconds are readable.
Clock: **9:50**
